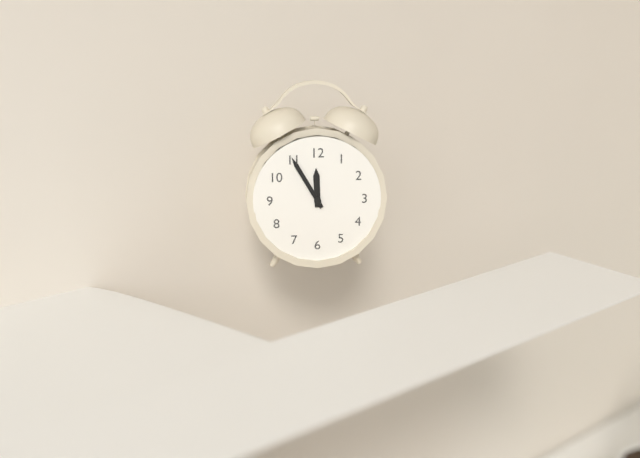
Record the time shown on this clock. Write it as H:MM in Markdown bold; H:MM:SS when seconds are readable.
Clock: **11:55**
